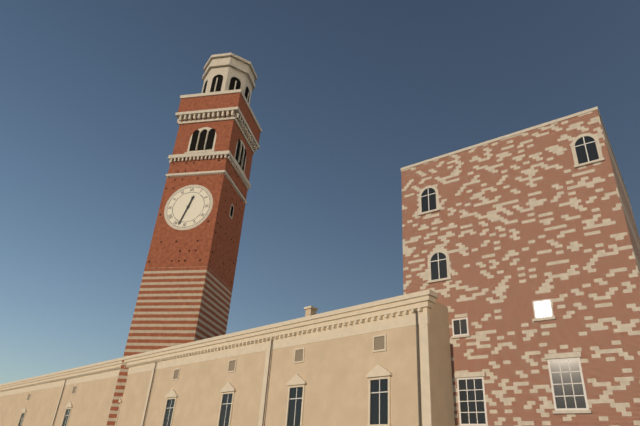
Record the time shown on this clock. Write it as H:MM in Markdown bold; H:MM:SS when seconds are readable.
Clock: **12:33**
